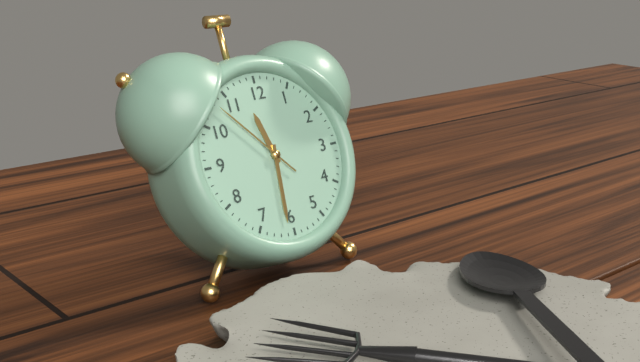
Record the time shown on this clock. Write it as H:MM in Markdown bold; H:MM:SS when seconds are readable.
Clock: **11:31:53**
